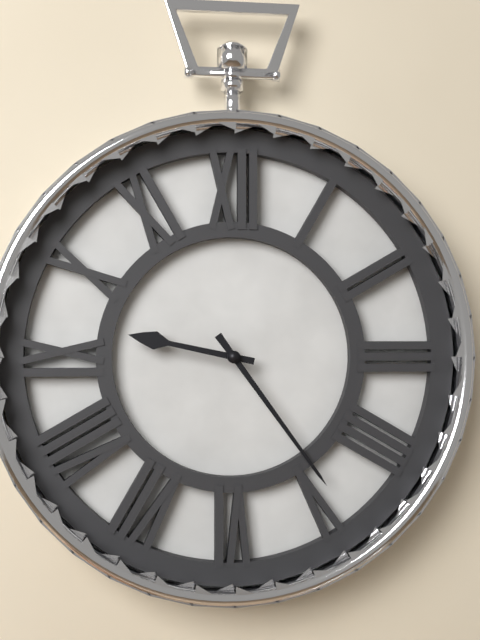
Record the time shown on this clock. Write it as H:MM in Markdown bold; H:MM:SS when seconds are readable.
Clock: **9:24**
